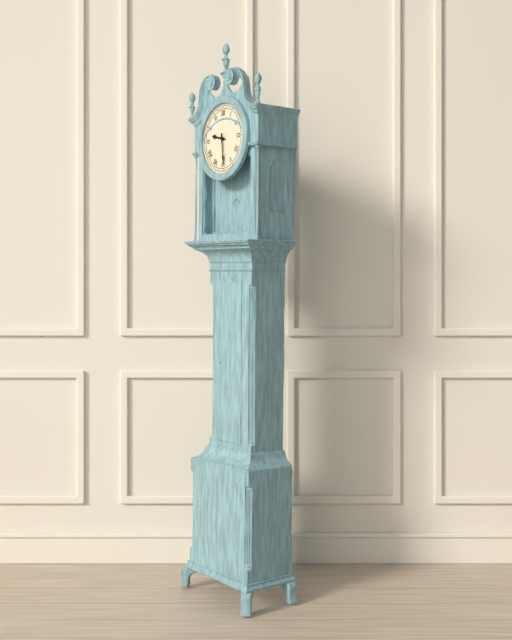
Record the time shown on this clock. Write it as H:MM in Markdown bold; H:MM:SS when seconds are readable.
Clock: **9:29**
